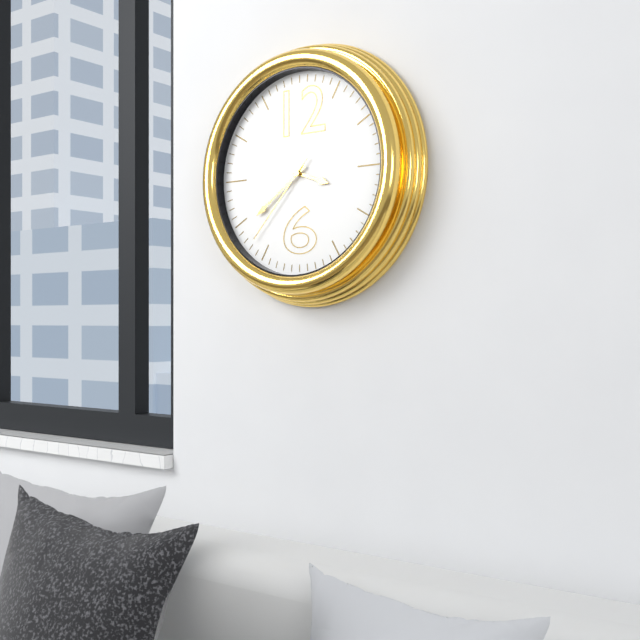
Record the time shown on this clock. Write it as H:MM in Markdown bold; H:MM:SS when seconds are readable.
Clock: **3:39:37**
